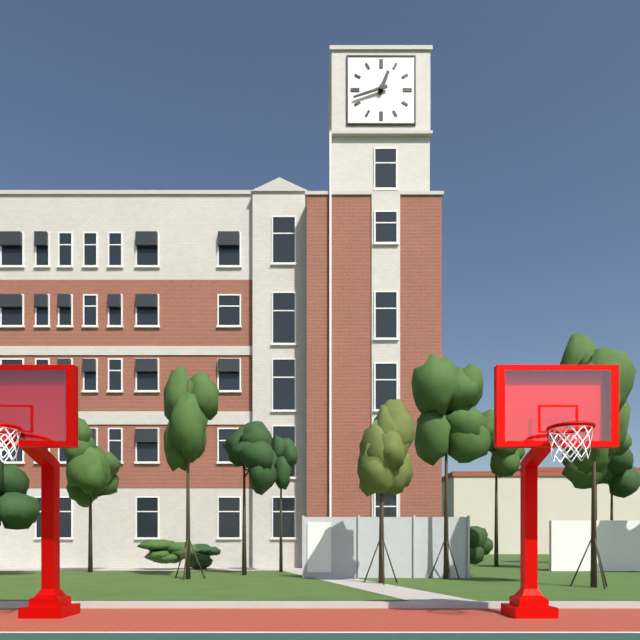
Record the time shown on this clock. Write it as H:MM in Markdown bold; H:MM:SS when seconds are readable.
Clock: **12:42**
